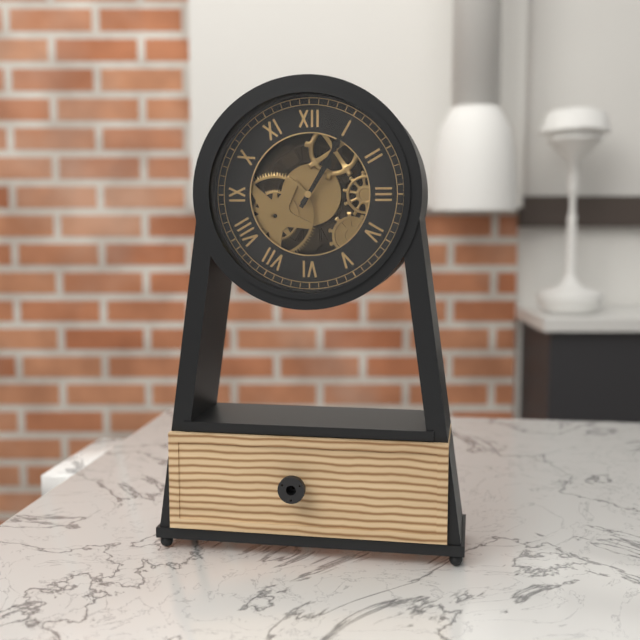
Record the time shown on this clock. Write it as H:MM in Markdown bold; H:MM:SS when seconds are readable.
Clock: **1:05**
